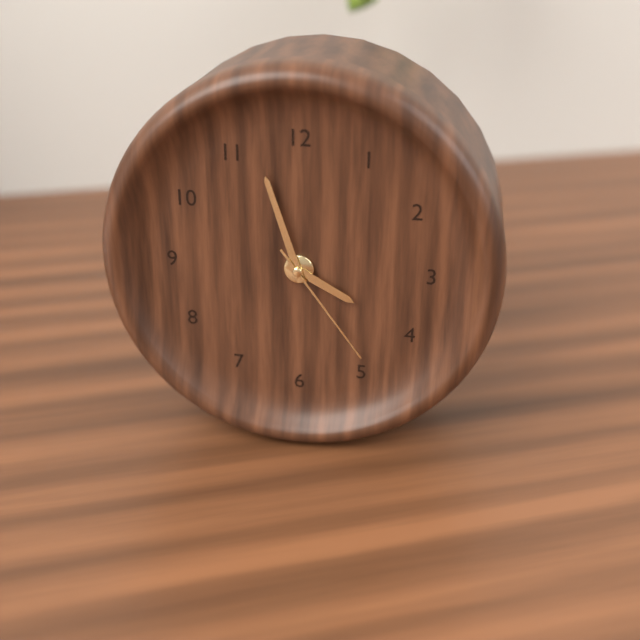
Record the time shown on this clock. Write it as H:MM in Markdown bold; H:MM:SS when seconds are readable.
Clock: **3:57:24**
